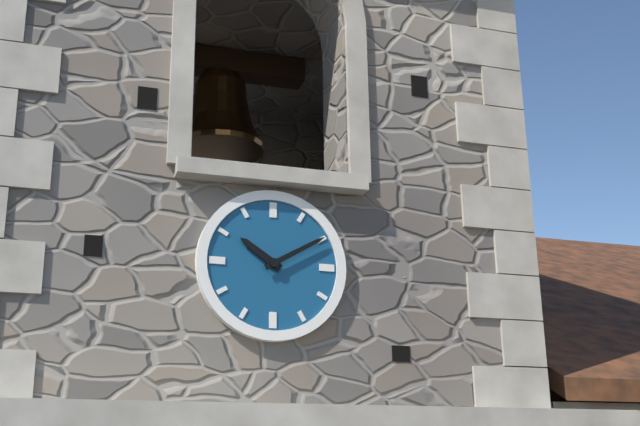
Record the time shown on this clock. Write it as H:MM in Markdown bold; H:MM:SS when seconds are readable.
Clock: **10:10**
